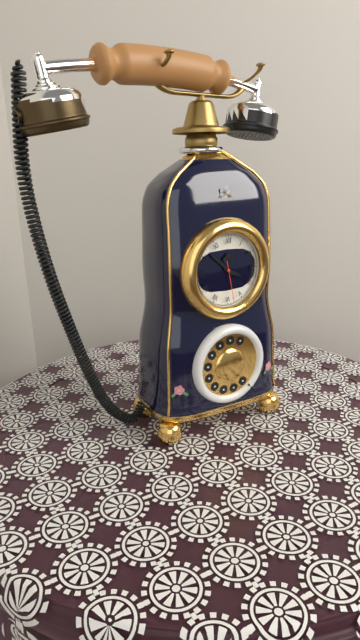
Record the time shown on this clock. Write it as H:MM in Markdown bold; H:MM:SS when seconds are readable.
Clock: **3:52**
